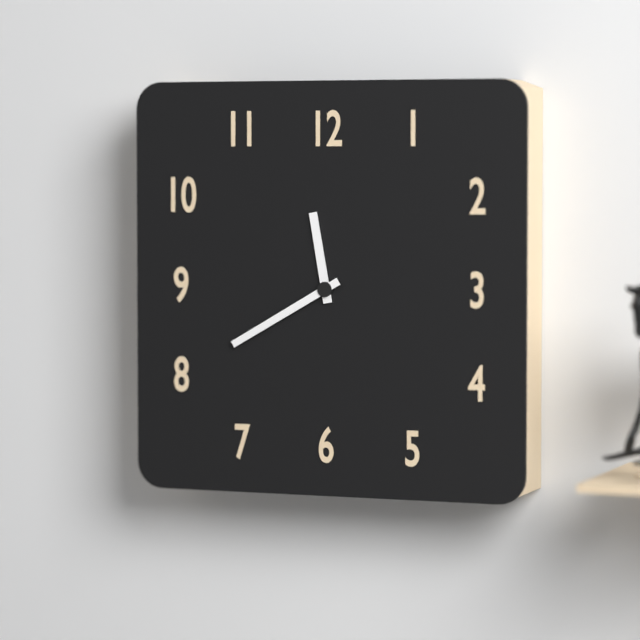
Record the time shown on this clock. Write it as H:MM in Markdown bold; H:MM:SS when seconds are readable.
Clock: **11:40**
